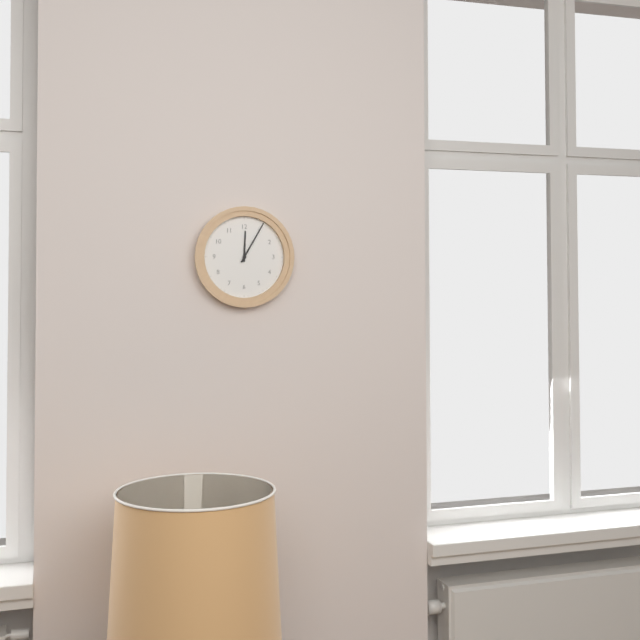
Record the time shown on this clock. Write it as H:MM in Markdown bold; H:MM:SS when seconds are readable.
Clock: **12:05**
